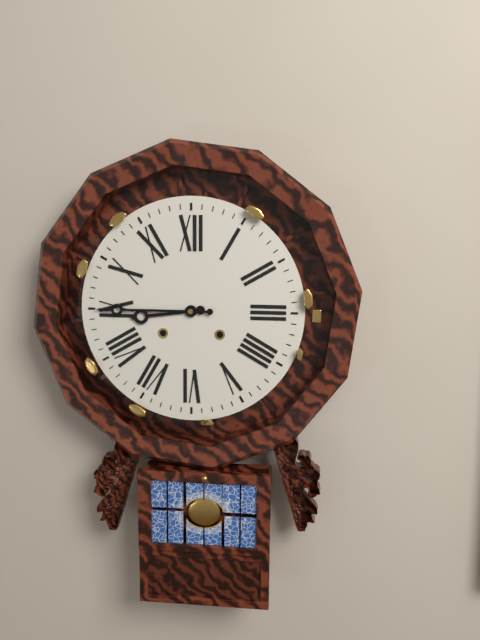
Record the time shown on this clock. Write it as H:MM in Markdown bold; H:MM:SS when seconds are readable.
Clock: **8:45**
